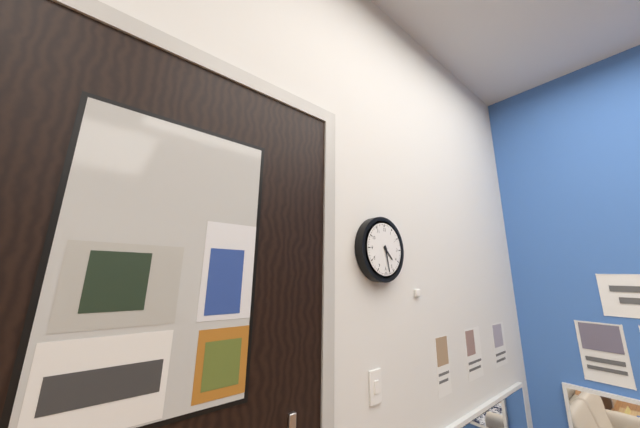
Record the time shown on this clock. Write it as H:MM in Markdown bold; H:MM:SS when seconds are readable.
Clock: **4:28**
